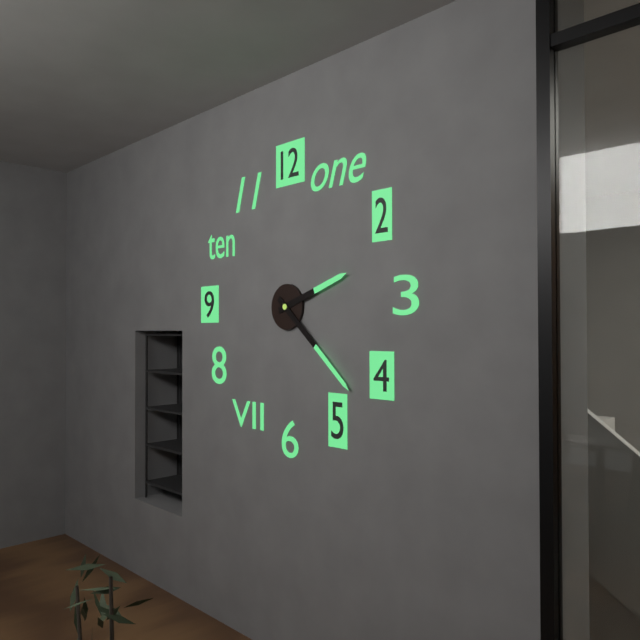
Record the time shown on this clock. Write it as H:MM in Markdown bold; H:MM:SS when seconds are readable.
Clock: **2:22**
